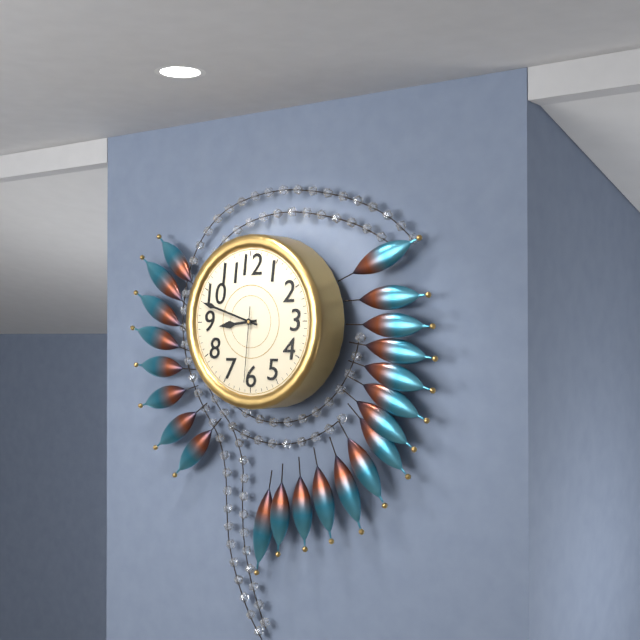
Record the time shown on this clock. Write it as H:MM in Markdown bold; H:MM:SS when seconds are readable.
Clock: **8:48:31**
